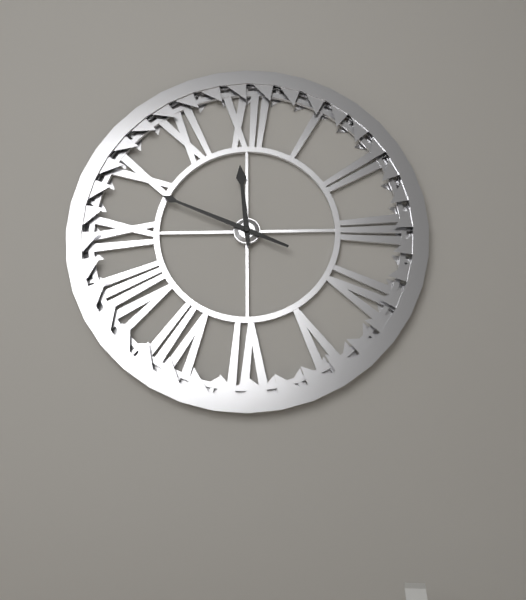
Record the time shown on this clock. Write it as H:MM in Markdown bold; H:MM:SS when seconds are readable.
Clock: **11:49**
